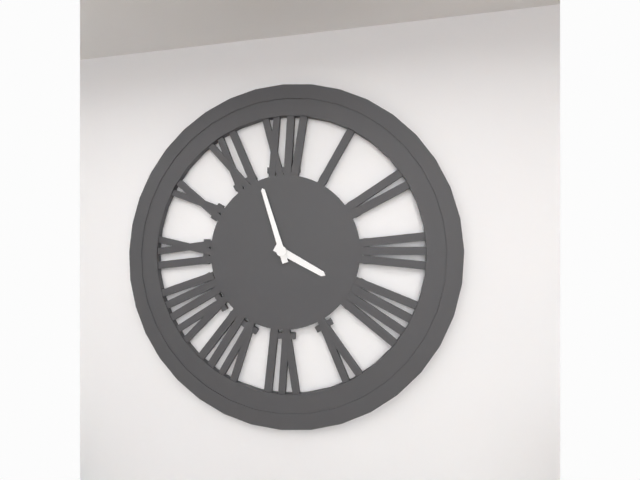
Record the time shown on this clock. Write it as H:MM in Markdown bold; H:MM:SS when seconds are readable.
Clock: **3:57**
